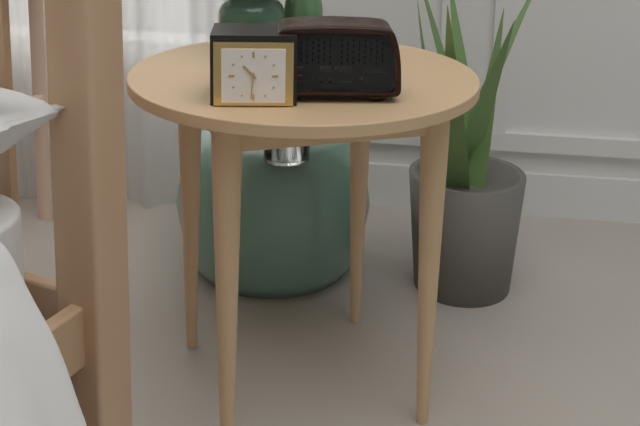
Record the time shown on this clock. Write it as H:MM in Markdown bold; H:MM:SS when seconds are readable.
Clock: **10:31**
